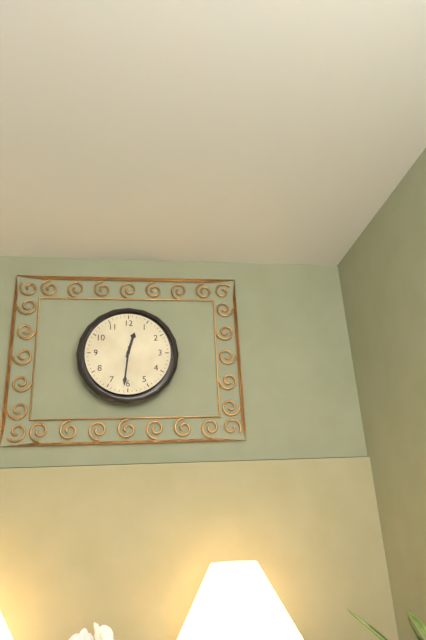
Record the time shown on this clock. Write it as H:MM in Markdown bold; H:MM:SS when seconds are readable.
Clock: **12:31**
